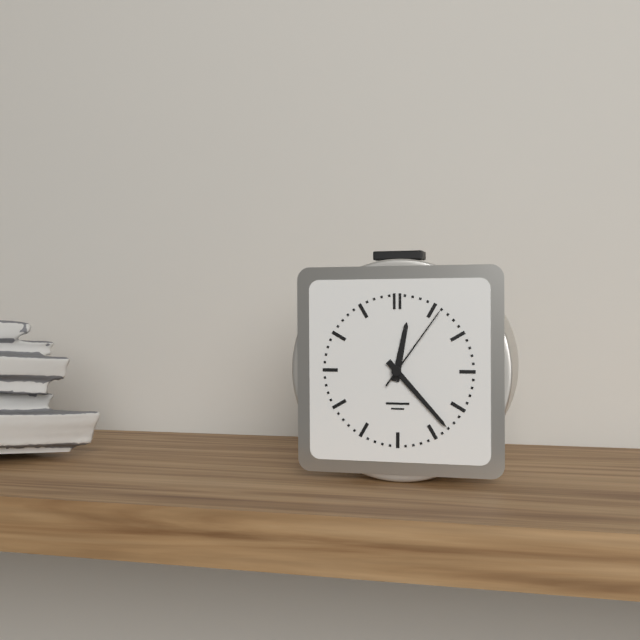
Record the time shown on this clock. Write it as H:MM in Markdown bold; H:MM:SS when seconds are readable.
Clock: **12:23:06**
